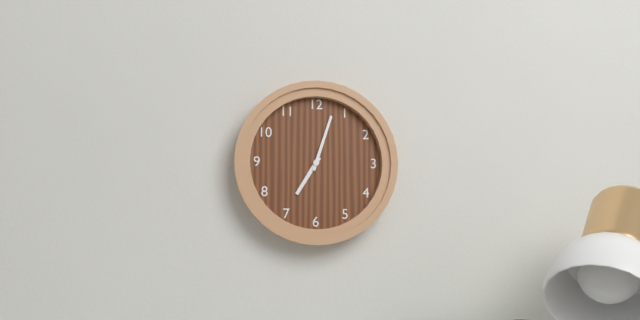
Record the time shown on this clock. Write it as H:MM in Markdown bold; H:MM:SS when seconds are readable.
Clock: **7:03**
